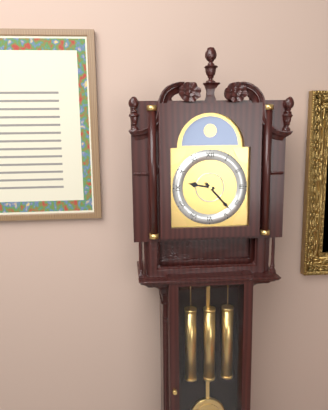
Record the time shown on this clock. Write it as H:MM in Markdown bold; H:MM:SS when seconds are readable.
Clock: **9:23**
